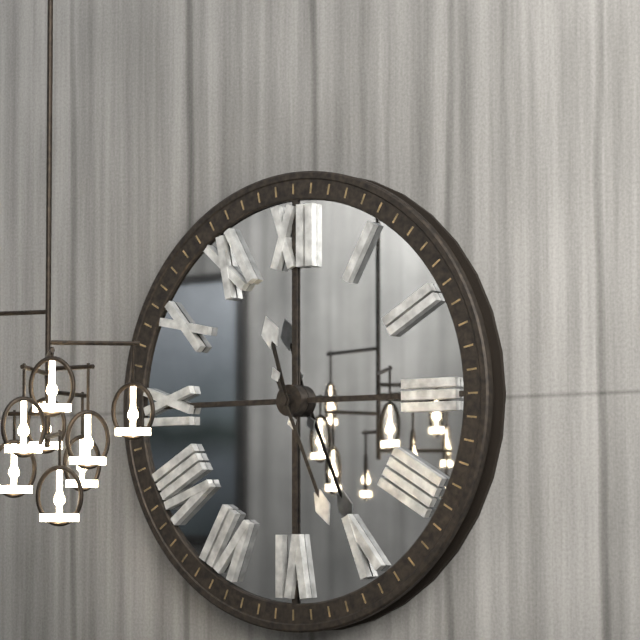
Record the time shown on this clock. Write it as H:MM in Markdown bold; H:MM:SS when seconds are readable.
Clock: **11:26**
